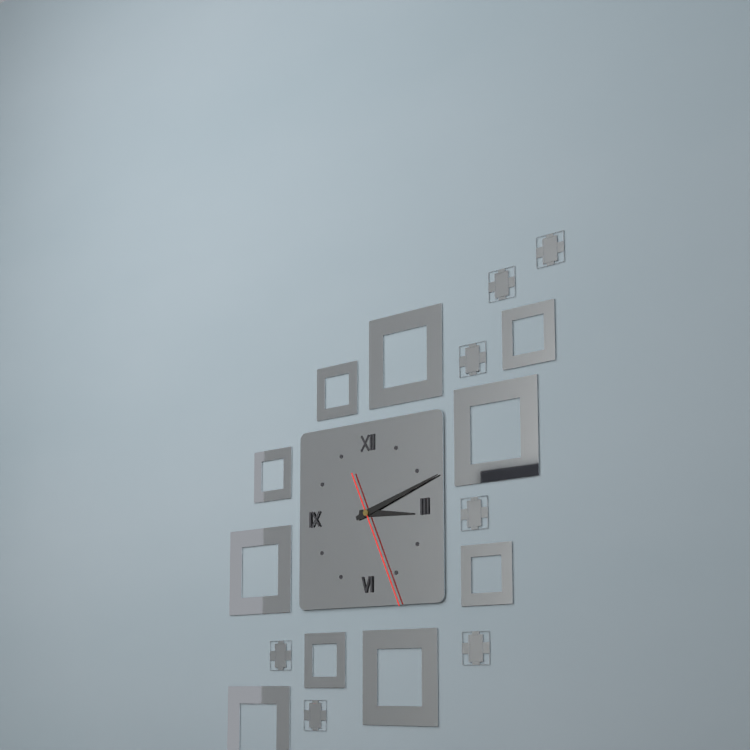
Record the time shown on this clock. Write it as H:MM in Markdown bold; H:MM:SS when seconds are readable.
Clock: **3:12:26**
